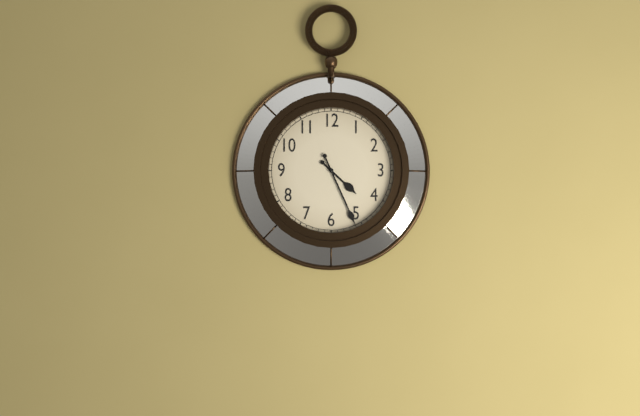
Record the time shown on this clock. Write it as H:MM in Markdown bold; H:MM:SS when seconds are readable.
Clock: **4:26**
